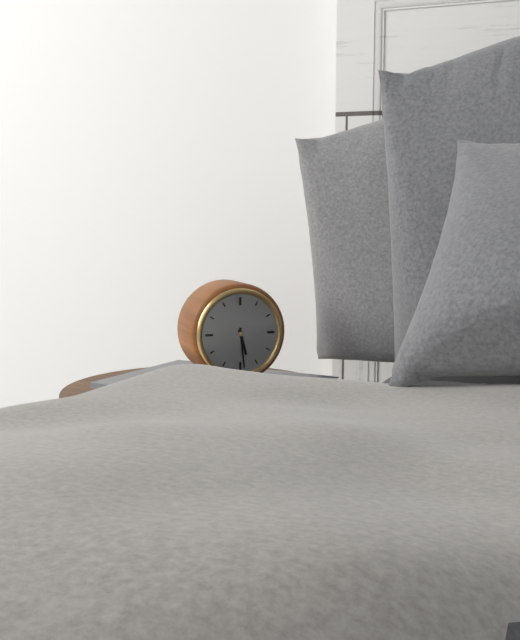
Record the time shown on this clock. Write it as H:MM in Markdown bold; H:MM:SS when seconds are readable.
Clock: **5:29**
